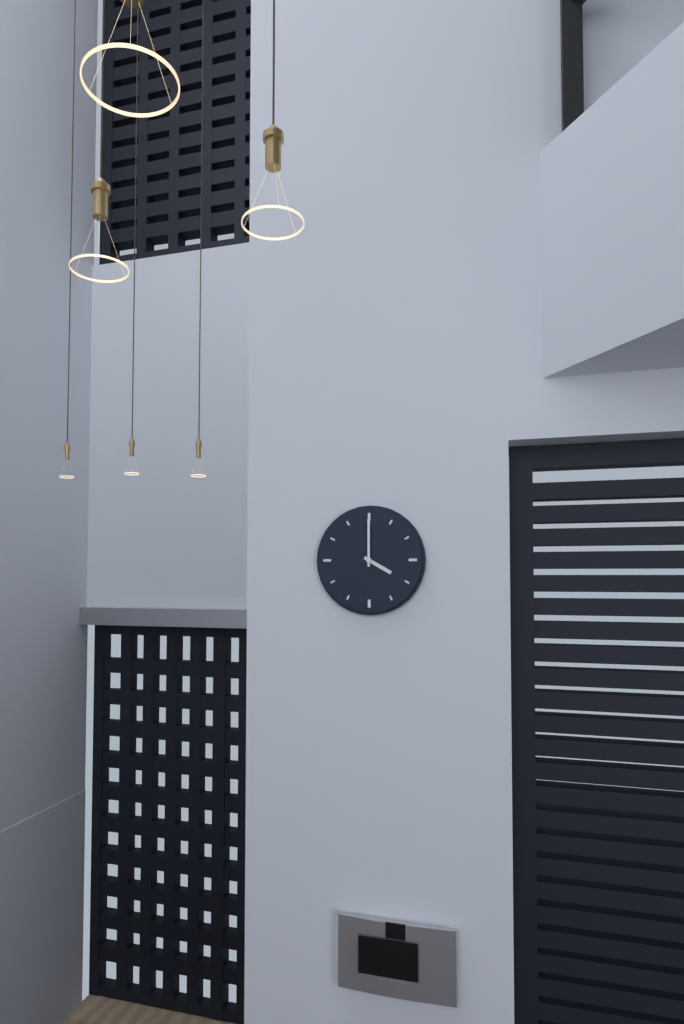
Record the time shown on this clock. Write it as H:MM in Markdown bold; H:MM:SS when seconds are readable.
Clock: **4:00**
